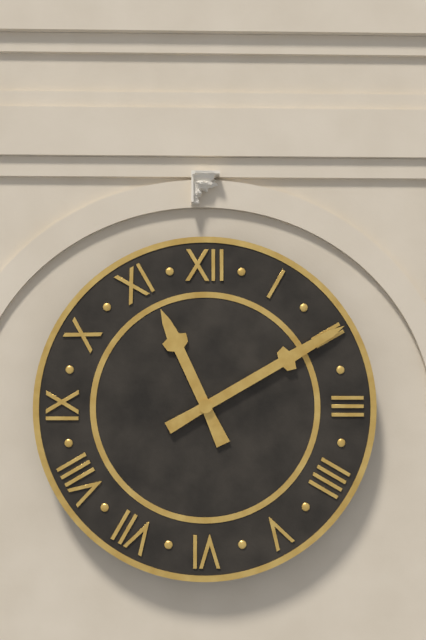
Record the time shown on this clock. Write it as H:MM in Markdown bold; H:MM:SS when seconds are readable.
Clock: **11:10**
